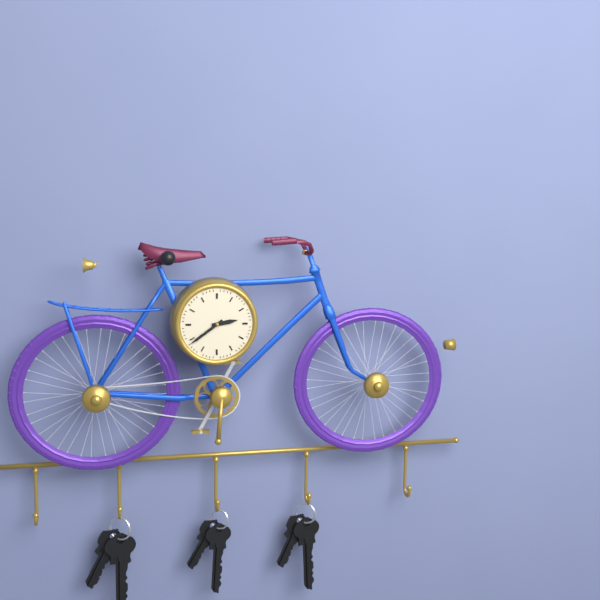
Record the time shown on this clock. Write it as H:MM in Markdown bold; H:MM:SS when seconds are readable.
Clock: **2:39**
